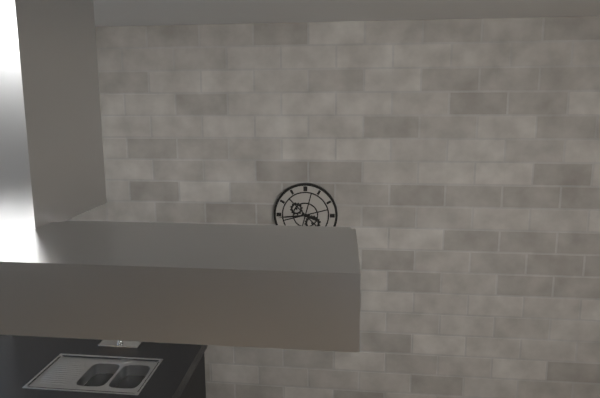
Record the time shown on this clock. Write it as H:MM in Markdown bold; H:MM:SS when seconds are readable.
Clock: **3:44**
